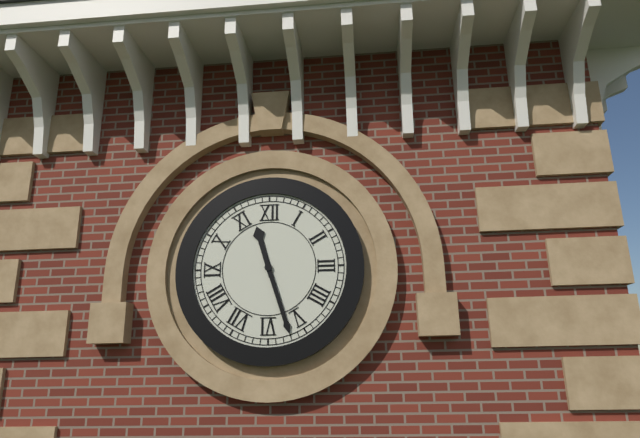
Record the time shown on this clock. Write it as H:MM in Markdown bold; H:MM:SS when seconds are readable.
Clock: **11:27**
